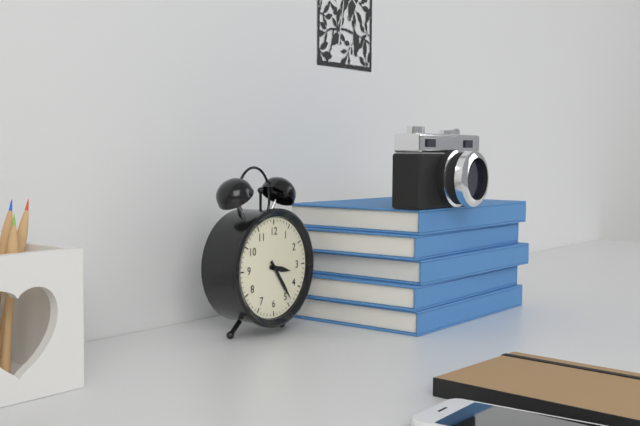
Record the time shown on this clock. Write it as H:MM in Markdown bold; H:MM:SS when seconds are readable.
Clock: **3:24**
